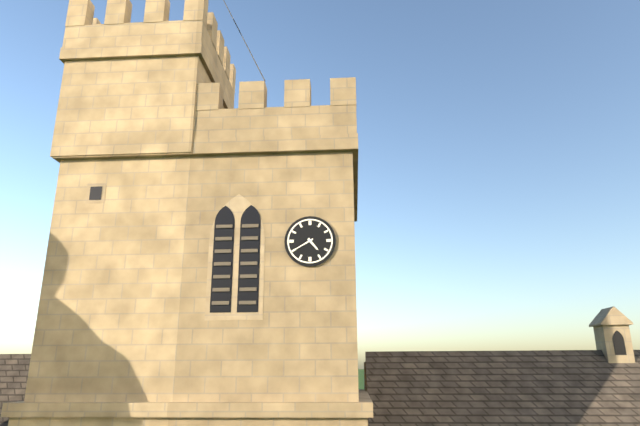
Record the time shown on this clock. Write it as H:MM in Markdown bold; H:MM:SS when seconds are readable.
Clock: **4:40**
